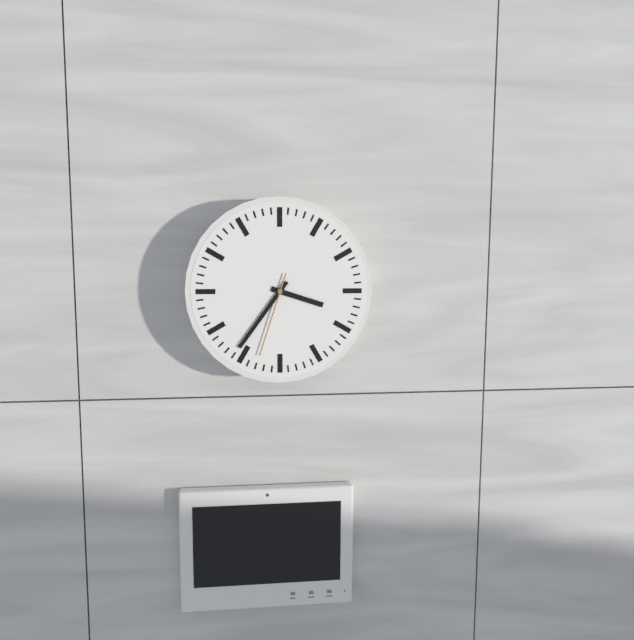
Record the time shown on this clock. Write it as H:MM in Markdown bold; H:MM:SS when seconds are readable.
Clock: **3:36:33**
